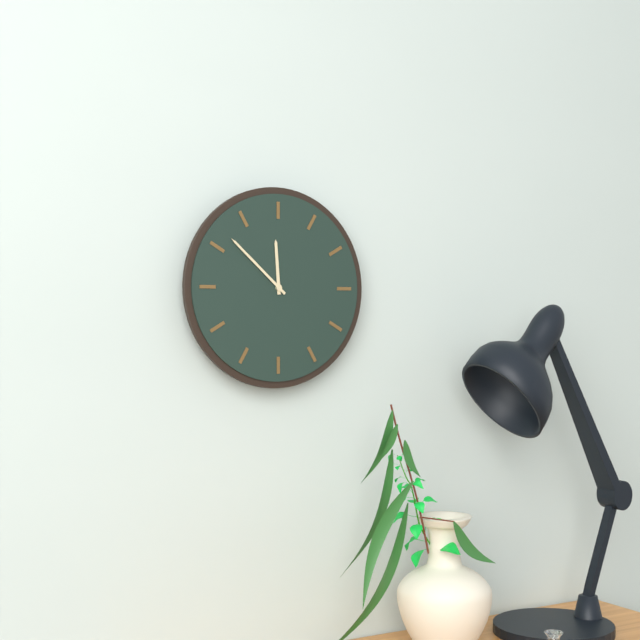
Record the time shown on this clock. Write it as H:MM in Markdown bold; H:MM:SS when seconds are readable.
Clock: **11:52**
